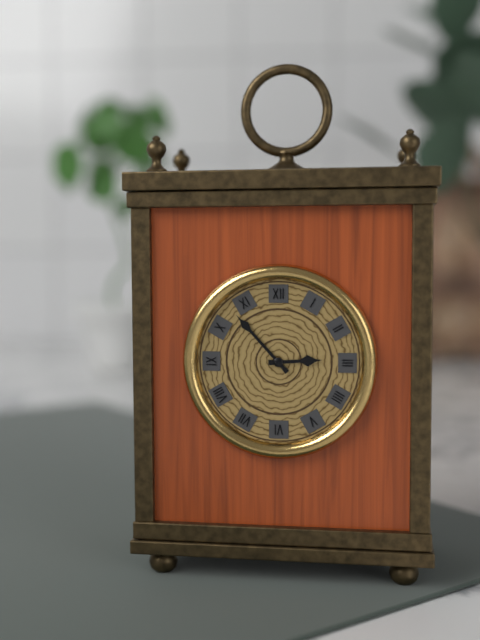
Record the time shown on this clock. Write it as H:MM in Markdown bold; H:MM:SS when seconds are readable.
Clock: **2:53**
